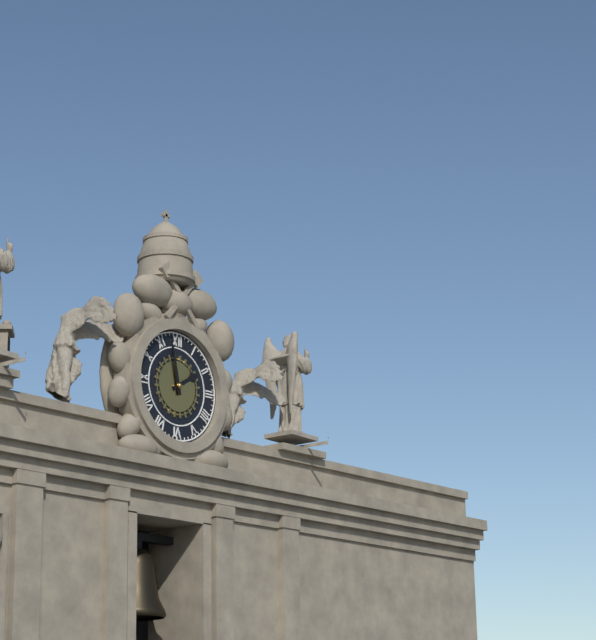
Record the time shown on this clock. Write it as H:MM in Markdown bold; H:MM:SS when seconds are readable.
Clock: **1:58**
